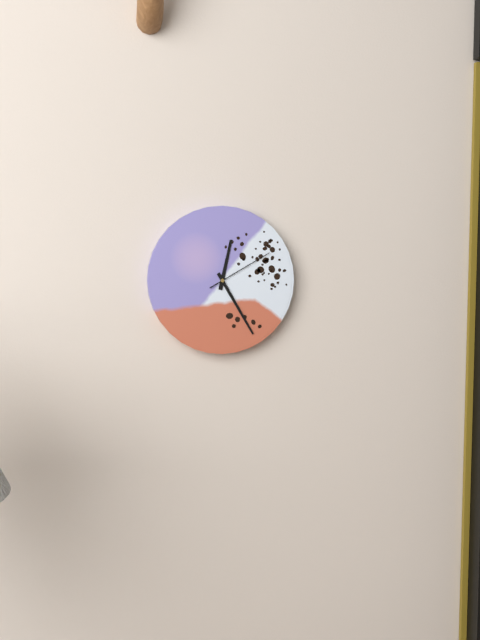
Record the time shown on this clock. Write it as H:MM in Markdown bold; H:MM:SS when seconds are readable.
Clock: **12:25:10**
